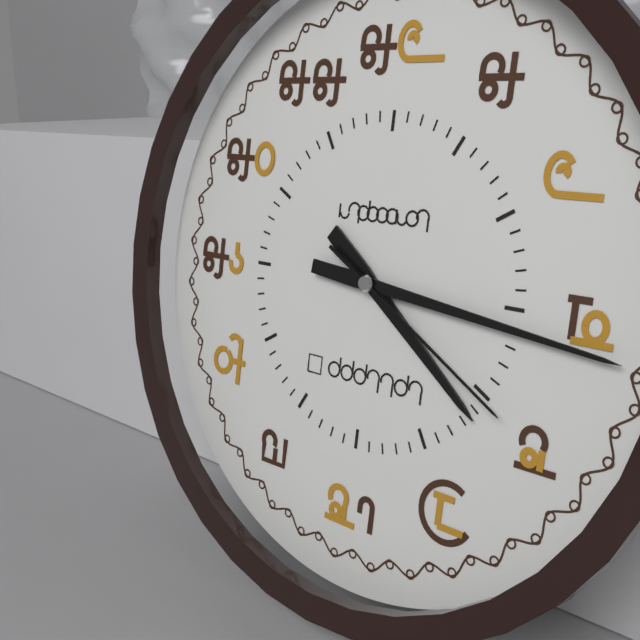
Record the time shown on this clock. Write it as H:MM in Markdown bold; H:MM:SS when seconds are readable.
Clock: **4:16:20**
